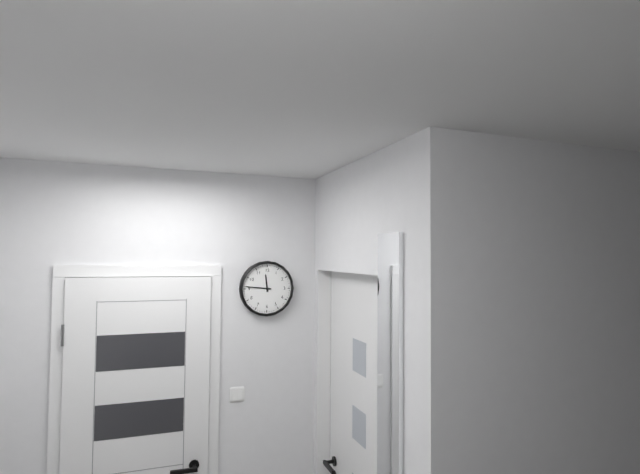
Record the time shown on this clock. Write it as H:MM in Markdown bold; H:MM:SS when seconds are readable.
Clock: **11:46**
